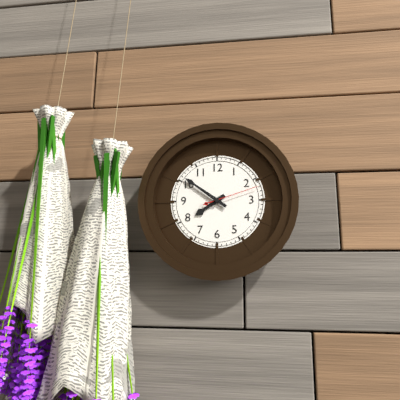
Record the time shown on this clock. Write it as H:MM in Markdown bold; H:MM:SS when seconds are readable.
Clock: **7:51:12**
